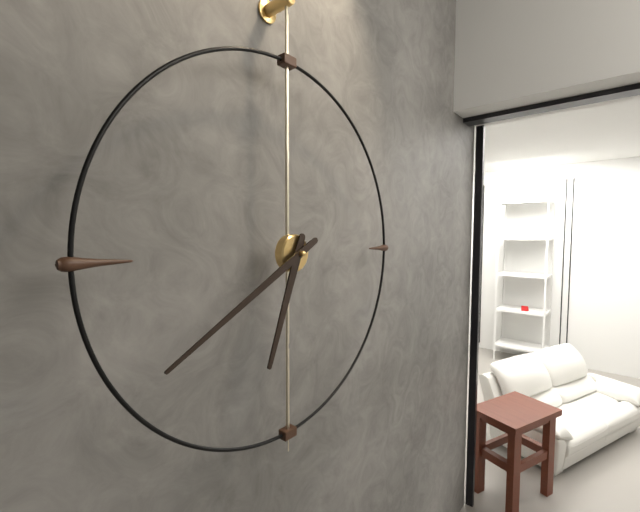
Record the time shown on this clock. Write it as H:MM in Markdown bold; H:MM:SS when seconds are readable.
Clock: **6:40**
